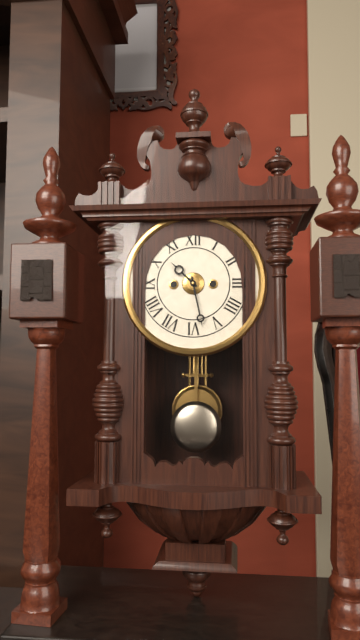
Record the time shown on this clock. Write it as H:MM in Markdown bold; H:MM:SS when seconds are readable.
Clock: **10:28**
